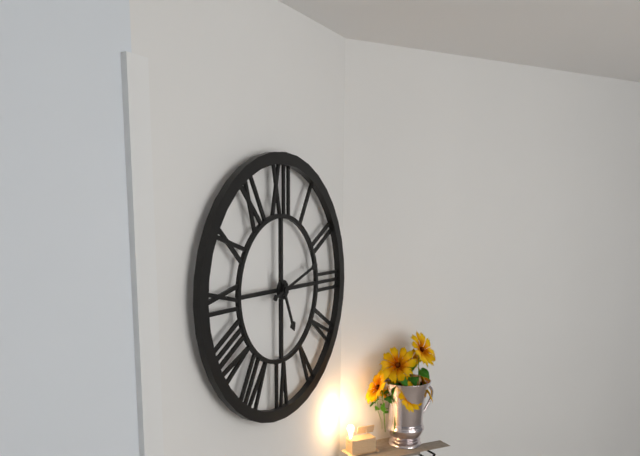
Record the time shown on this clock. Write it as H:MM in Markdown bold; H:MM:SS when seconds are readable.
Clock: **5:12**
